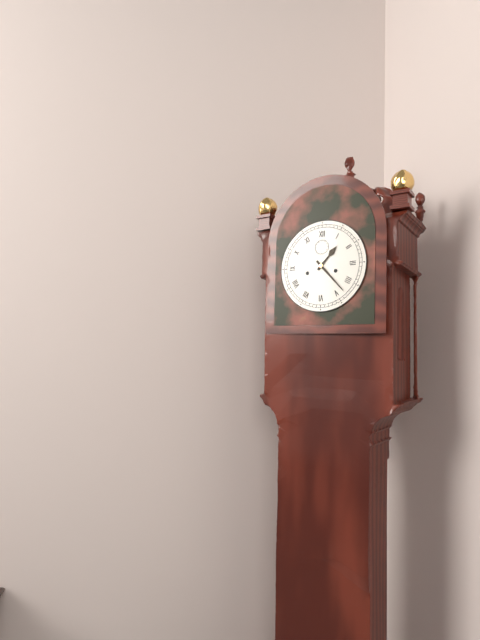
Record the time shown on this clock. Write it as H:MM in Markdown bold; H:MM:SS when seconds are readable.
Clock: **1:23**
